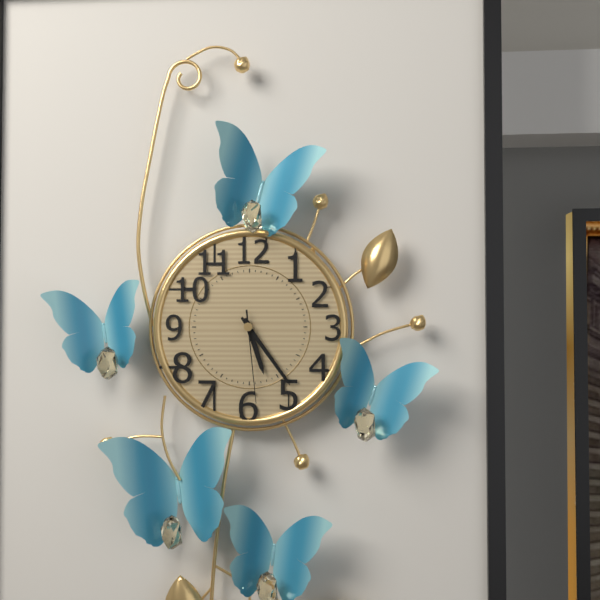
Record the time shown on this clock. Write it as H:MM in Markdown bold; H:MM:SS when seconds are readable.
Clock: **5:24:29**
